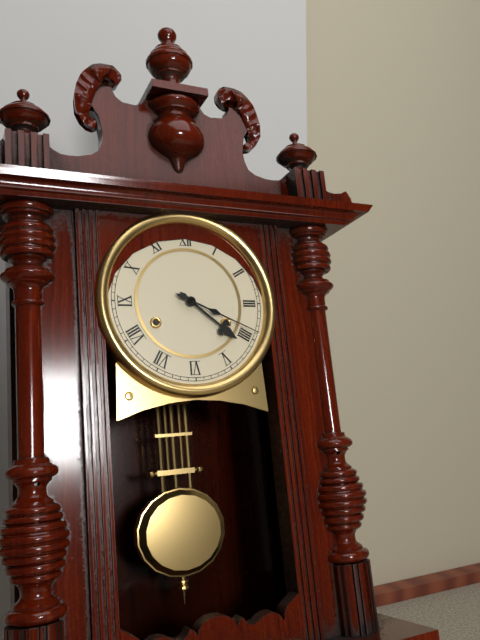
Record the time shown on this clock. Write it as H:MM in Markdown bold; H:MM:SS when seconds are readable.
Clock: **4:19**
